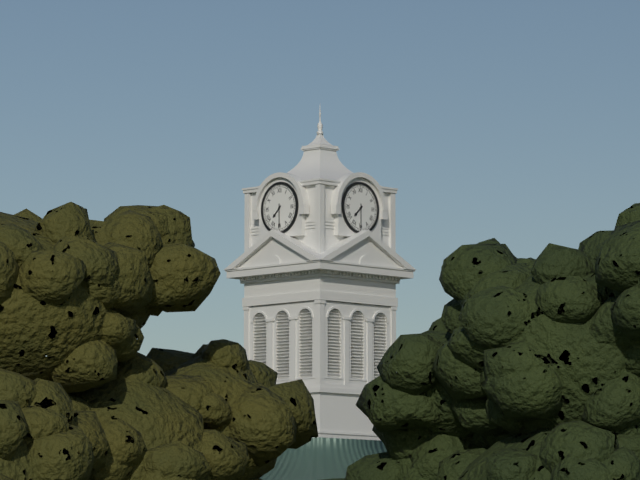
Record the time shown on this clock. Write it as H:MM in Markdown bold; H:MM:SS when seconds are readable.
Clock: **7:30**
